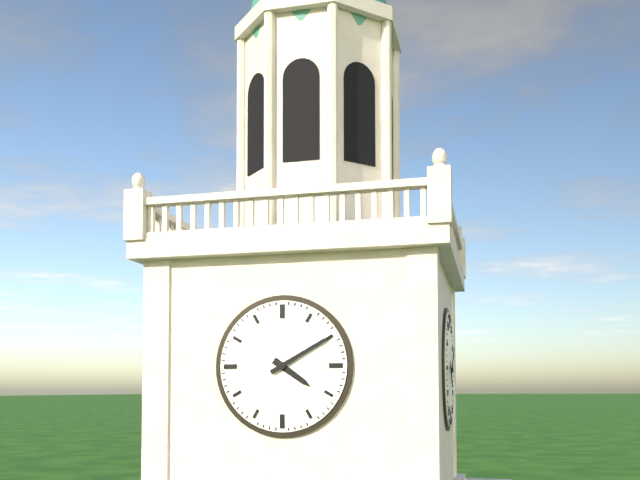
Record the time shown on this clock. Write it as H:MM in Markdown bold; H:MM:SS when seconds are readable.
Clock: **4:10**
